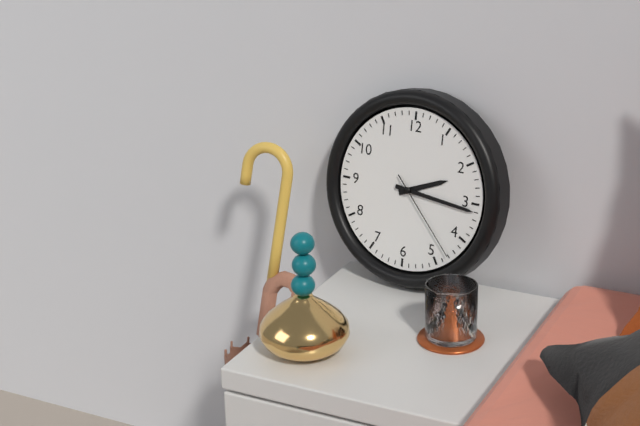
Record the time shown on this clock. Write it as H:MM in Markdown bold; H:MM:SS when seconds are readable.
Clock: **2:16:23**
